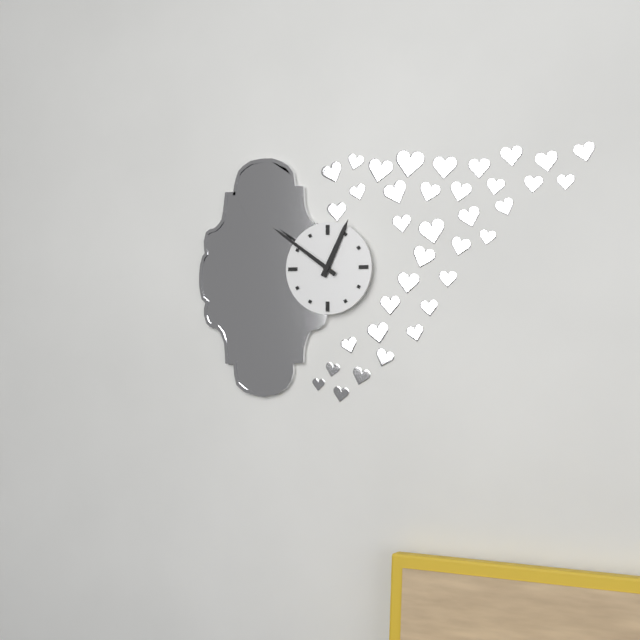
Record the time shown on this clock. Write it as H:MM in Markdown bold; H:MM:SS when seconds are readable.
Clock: **12:51**
